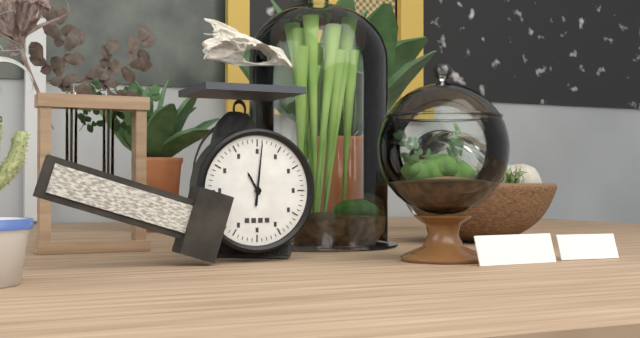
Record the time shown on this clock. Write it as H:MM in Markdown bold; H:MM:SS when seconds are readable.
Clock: **11:01**
